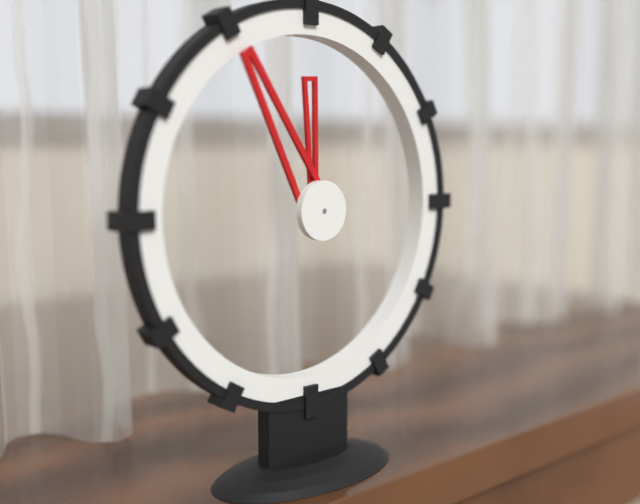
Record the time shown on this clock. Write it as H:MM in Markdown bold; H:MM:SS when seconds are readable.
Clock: **11:55**
